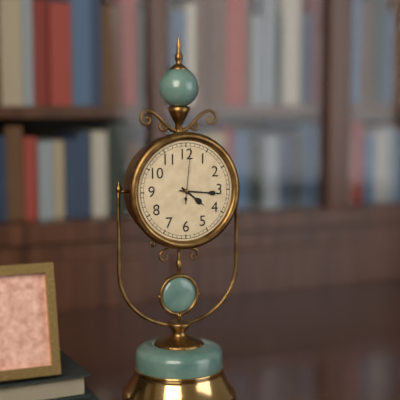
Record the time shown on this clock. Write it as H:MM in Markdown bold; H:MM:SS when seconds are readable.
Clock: **4:16:01**
